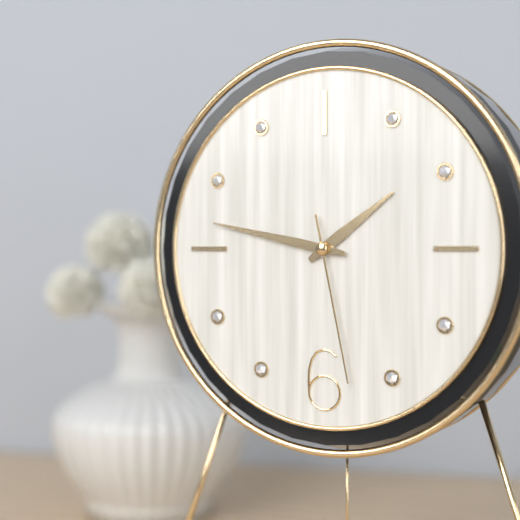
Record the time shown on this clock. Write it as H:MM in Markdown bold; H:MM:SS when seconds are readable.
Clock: **1:47:28**
